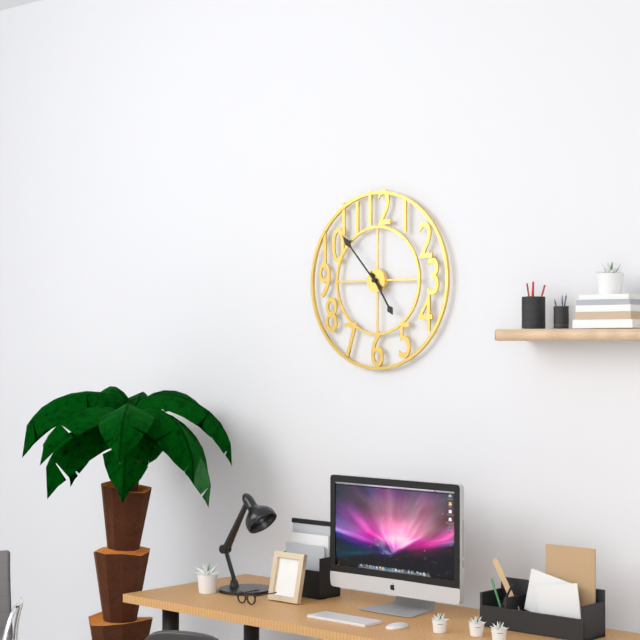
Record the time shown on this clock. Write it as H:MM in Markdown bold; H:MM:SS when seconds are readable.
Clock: **4:53**
